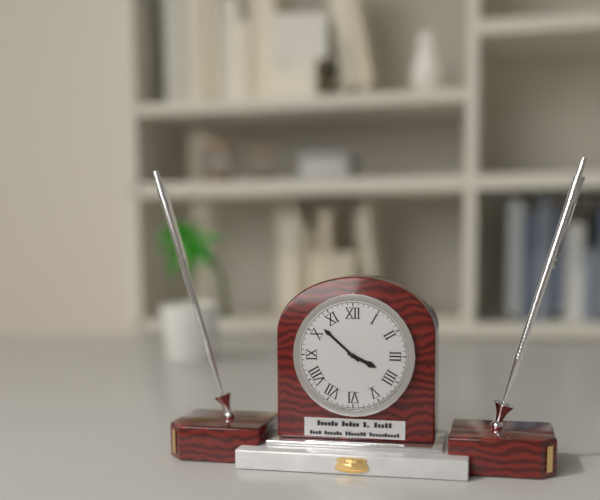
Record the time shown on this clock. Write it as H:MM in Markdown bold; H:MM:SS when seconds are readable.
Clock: **3:52**
